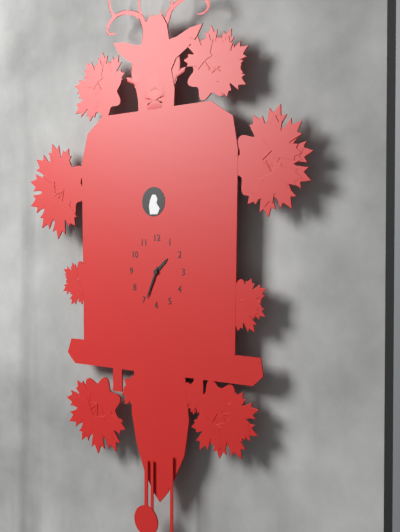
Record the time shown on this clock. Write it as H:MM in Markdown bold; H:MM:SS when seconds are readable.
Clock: **1:34**
